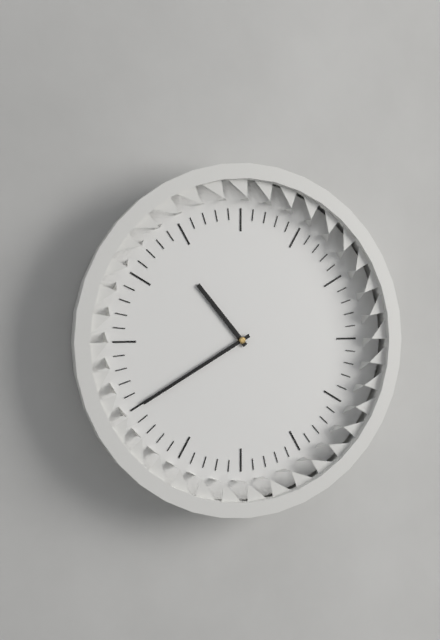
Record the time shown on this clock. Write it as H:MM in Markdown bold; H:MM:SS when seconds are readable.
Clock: **10:40**
